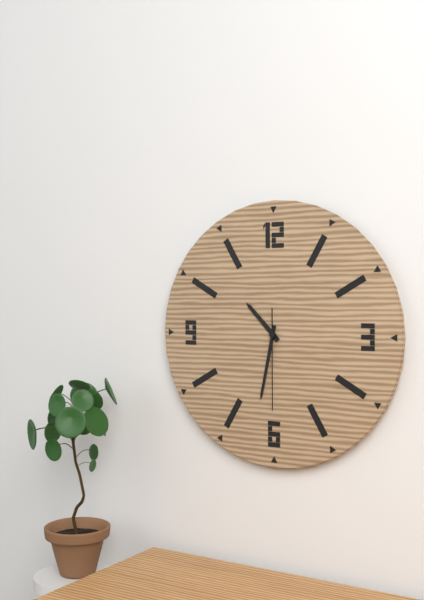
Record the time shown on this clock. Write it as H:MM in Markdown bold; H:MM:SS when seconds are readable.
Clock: **10:32:30**
